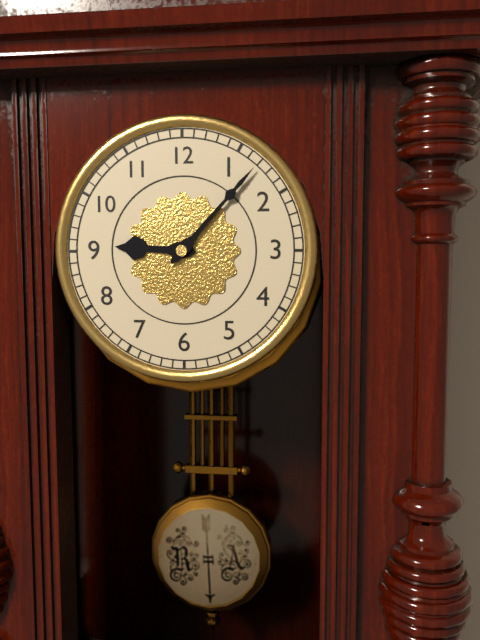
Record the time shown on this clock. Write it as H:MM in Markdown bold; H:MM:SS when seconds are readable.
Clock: **9:07**
